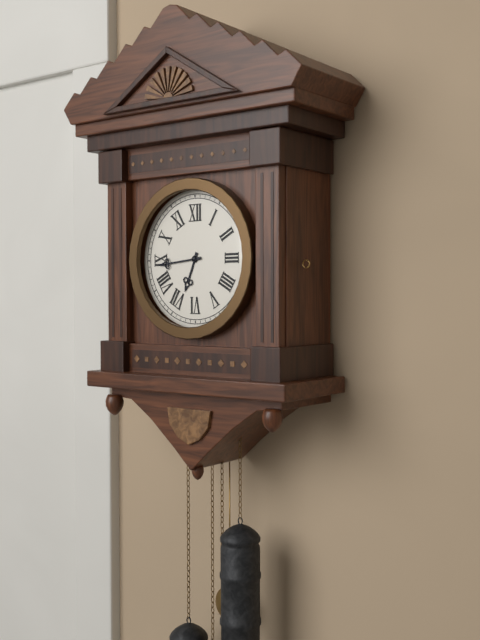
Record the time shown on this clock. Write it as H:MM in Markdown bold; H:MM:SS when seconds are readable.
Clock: **6:44**
